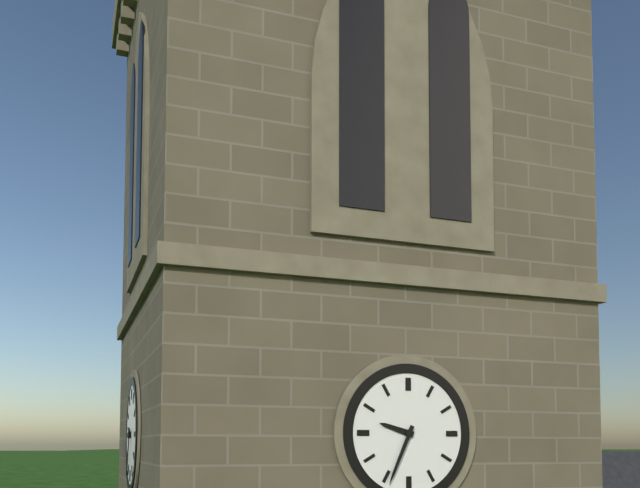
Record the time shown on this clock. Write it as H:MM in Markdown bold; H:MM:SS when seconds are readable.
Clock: **9:34**
